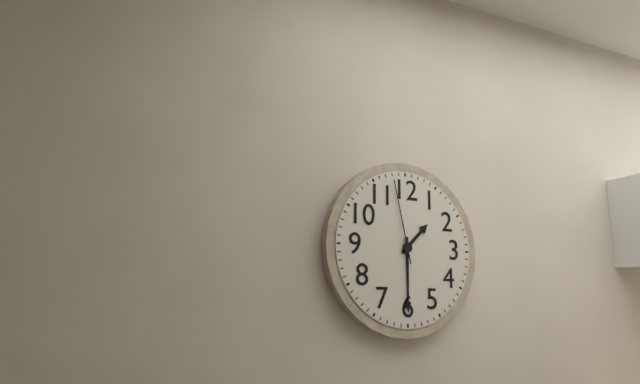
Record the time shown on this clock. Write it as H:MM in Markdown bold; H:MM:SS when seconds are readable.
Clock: **1:30:58**
